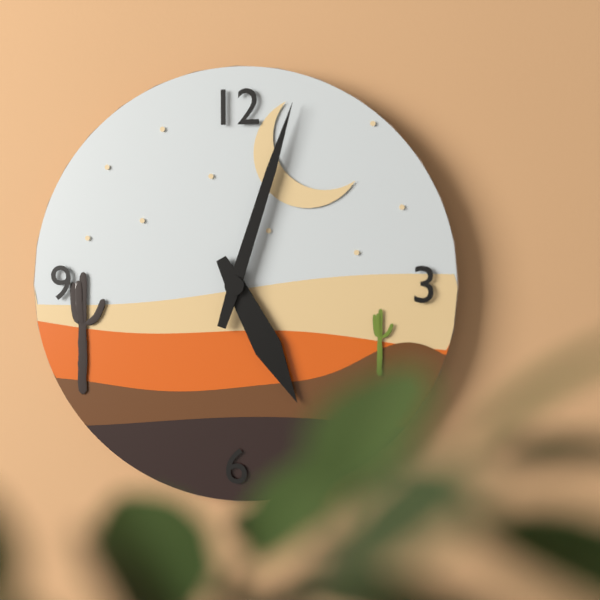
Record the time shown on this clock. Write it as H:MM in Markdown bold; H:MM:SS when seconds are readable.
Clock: **5:03**
